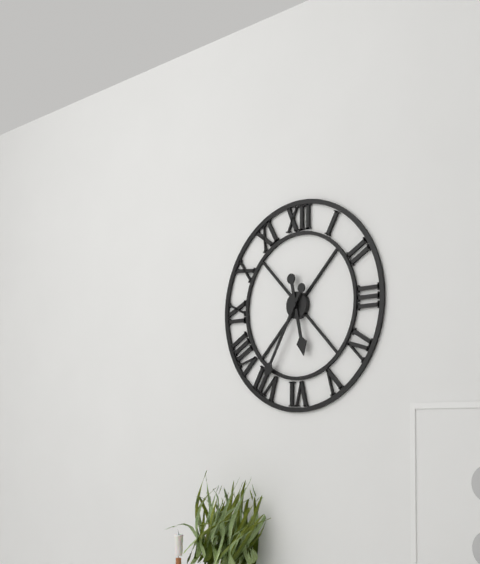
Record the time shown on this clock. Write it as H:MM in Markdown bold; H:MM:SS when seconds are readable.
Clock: **5:35**
